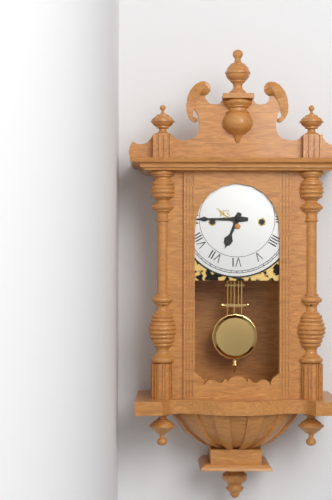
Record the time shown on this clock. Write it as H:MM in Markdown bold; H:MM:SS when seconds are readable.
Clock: **6:45**
